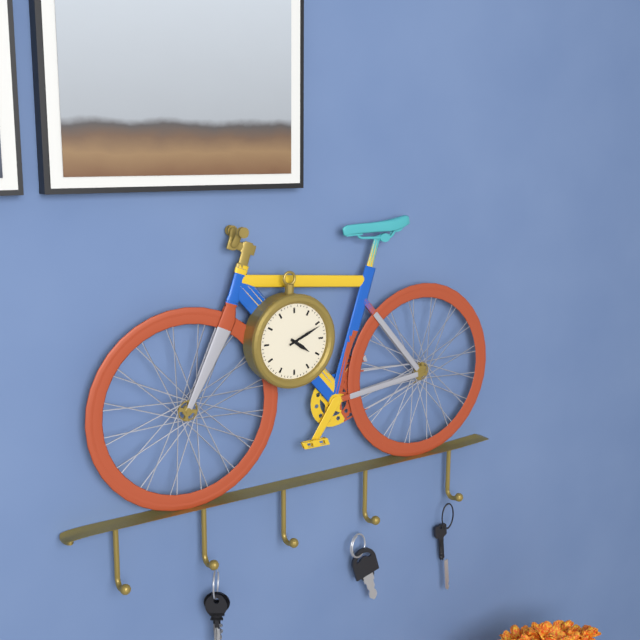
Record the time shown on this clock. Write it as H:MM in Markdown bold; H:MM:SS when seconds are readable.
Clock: **4:11**
